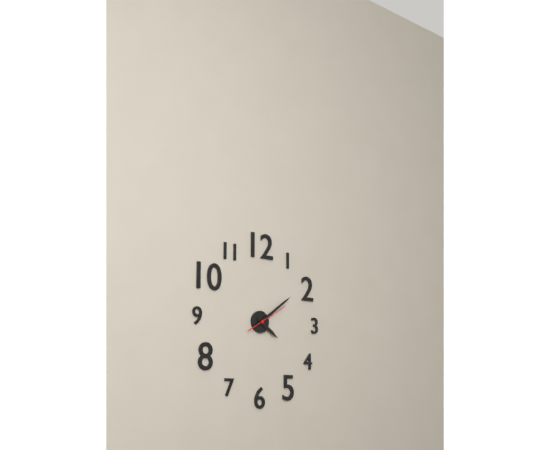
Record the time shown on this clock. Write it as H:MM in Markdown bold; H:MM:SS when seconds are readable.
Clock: **4:09**
